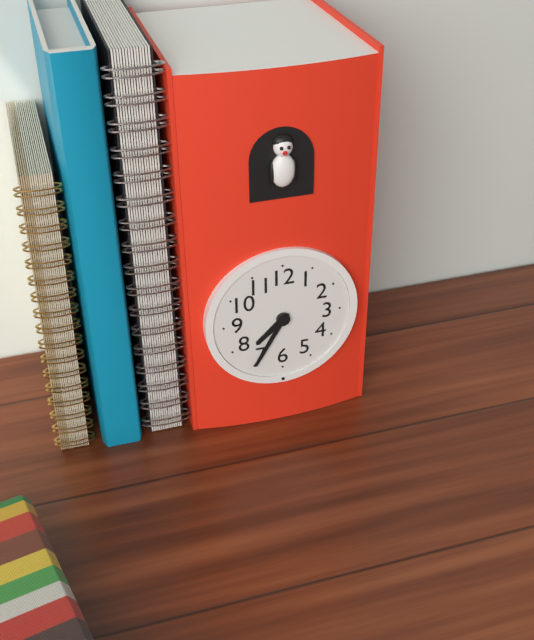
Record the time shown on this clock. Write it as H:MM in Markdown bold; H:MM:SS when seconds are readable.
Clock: **7:35**
